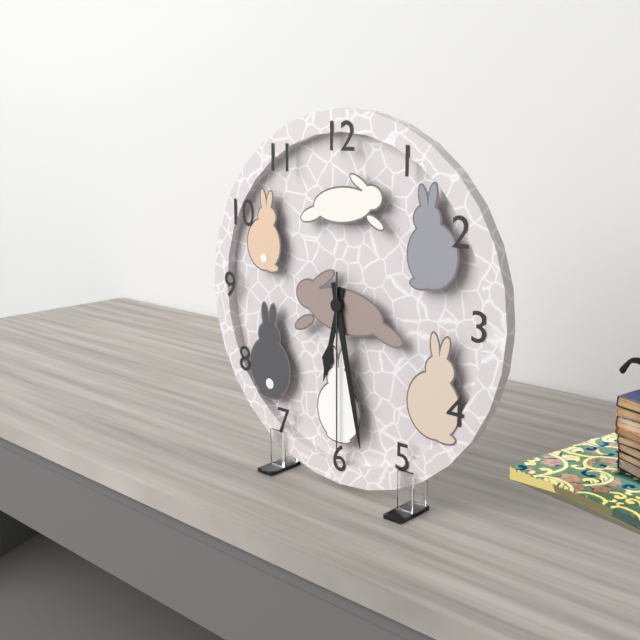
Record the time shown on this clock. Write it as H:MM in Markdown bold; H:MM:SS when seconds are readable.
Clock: **6:28:30**
